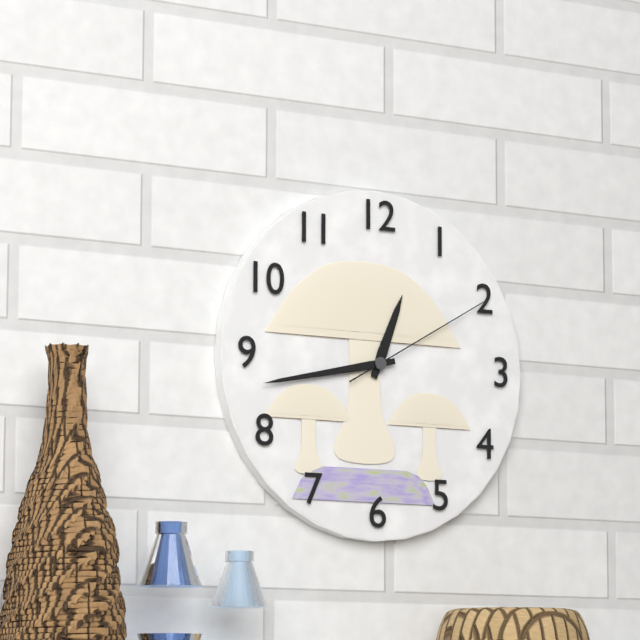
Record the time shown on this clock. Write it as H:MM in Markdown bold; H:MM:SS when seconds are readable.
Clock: **12:43:10**
